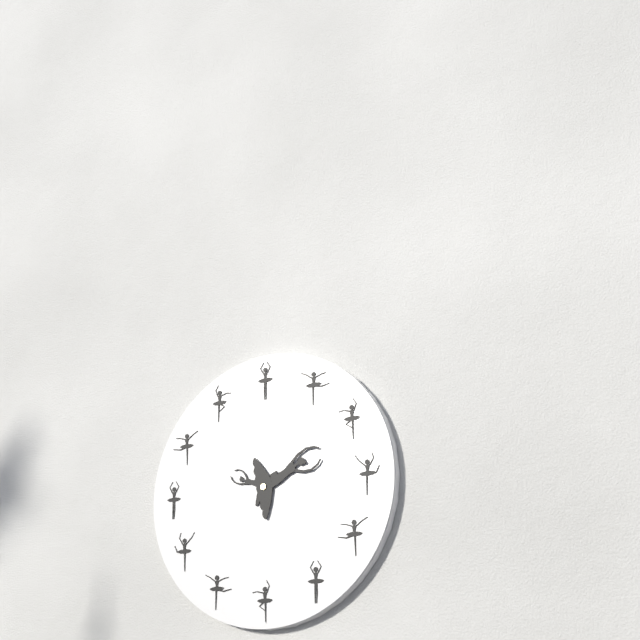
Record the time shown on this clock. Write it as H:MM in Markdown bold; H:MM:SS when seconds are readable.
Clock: **10:13**
